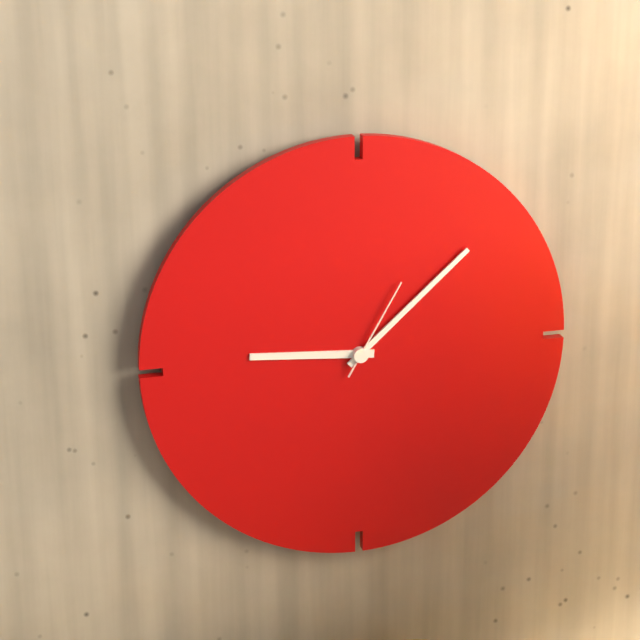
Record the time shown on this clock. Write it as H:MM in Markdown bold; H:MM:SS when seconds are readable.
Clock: **9:08:05**
